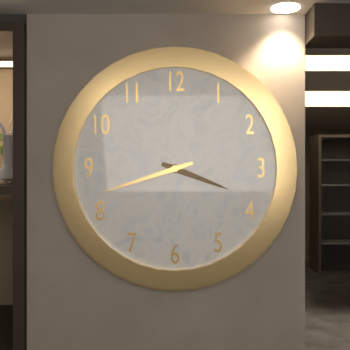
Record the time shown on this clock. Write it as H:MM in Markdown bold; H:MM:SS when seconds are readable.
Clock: **3:42**
